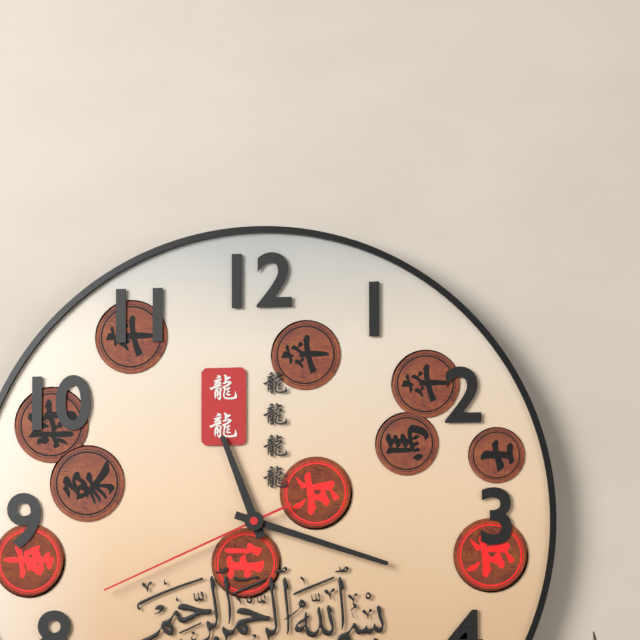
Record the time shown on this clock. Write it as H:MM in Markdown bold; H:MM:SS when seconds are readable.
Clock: **11:18:41**
